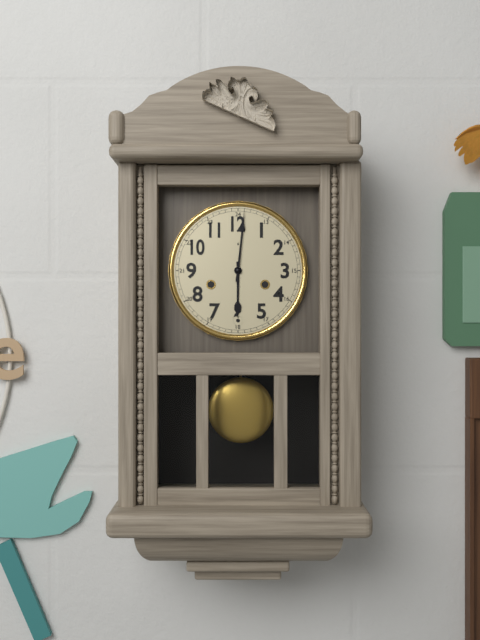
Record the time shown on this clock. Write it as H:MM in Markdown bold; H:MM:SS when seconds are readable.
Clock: **6:01**
